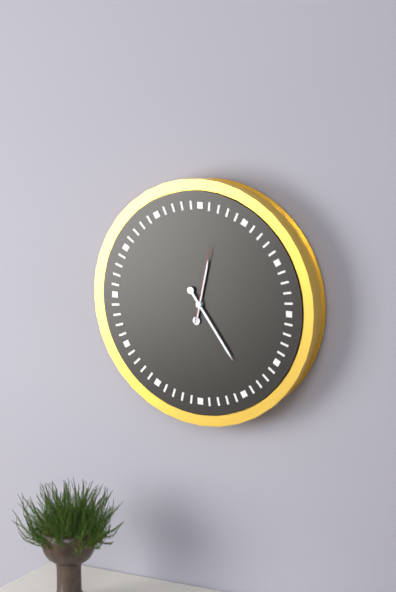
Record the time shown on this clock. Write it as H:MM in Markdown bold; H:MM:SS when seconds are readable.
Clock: **12:24:02**
